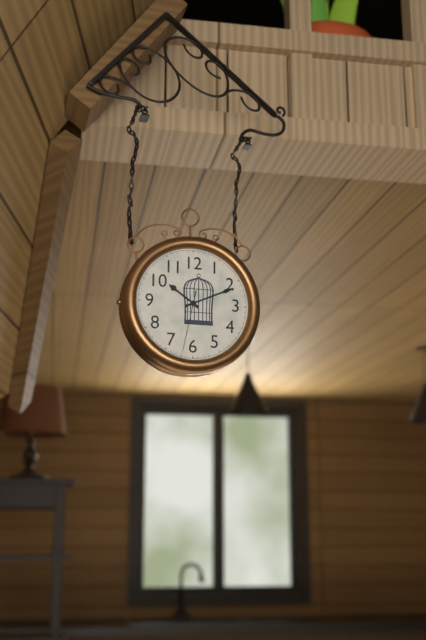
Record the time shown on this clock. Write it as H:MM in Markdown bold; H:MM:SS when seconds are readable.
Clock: **10:11:32**
